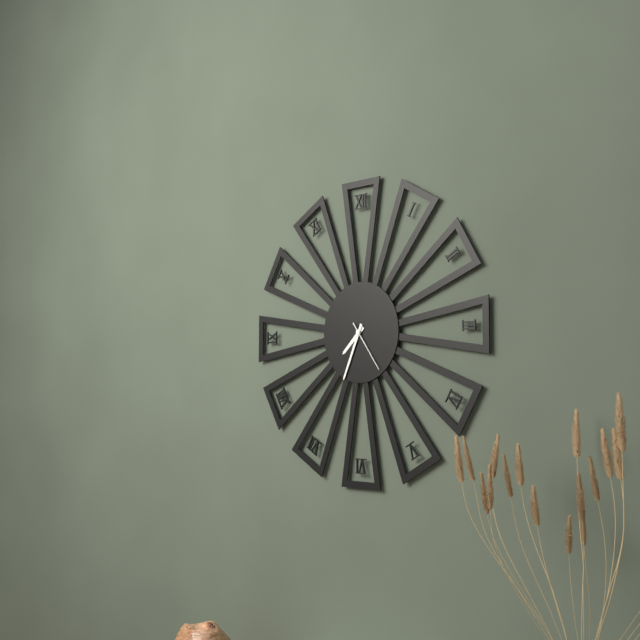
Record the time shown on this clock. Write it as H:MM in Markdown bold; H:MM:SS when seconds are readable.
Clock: **7:34:24**
